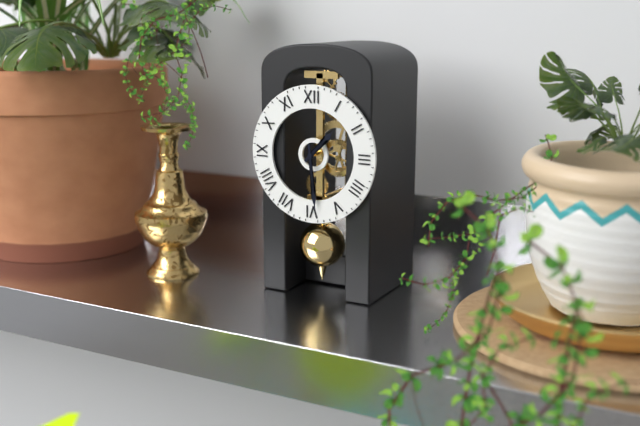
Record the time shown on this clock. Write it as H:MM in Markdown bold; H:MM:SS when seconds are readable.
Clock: **1:29**
